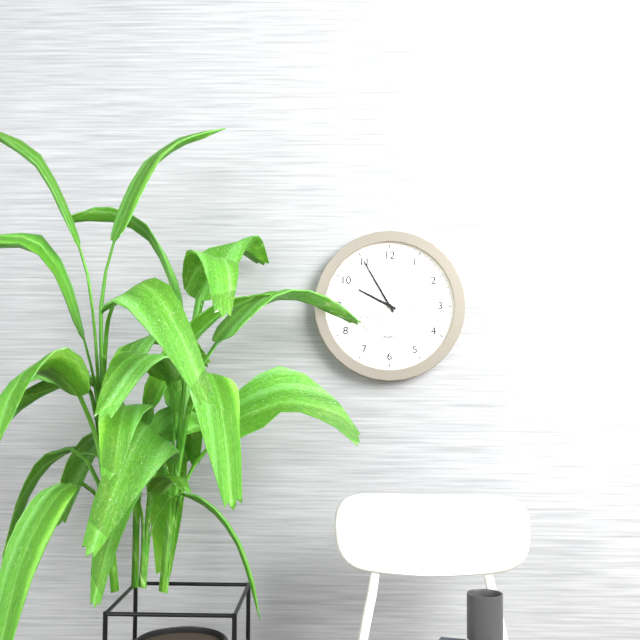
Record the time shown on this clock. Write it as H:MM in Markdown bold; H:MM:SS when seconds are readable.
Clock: **9:55:37**
